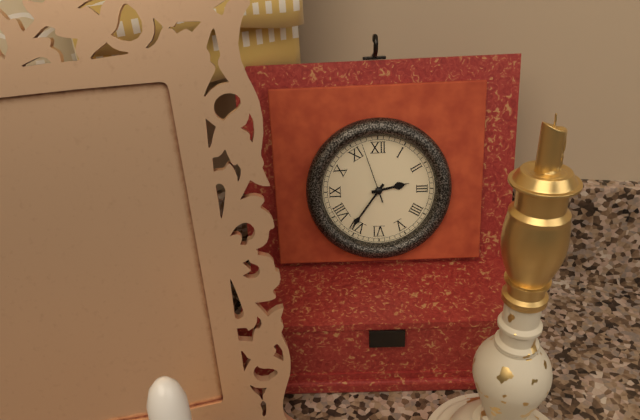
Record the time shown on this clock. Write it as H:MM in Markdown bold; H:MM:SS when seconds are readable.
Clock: **2:36:57**
